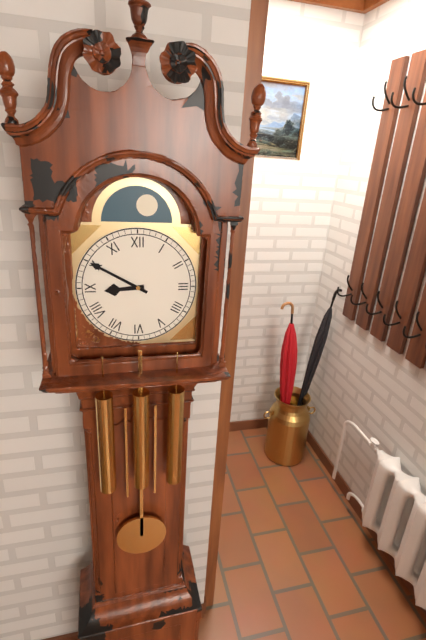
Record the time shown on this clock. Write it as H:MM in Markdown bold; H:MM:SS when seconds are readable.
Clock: **8:50**
